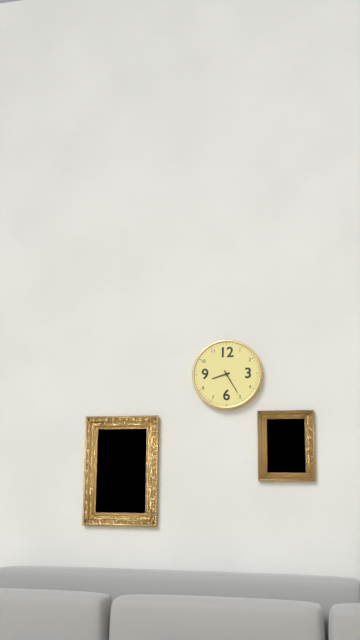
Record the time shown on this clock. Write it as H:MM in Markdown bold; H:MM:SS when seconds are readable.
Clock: **8:25**
